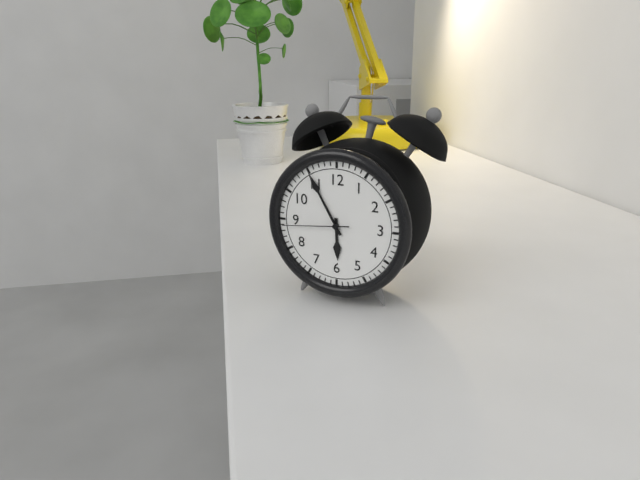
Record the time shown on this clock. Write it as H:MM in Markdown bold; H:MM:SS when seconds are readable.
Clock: **5:55:44**
